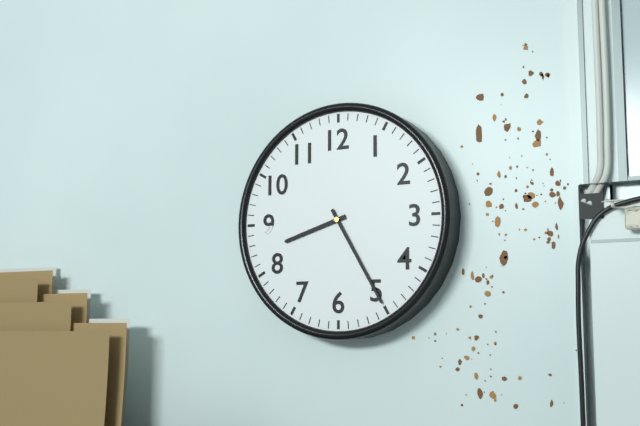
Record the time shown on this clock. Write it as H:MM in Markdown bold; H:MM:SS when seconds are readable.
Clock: **8:25**
